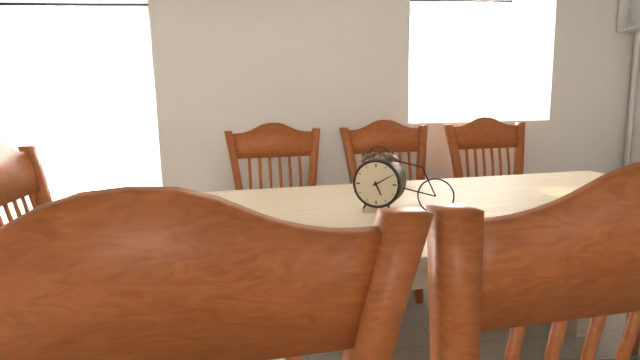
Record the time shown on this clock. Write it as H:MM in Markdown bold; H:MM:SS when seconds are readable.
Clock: **5:10**
